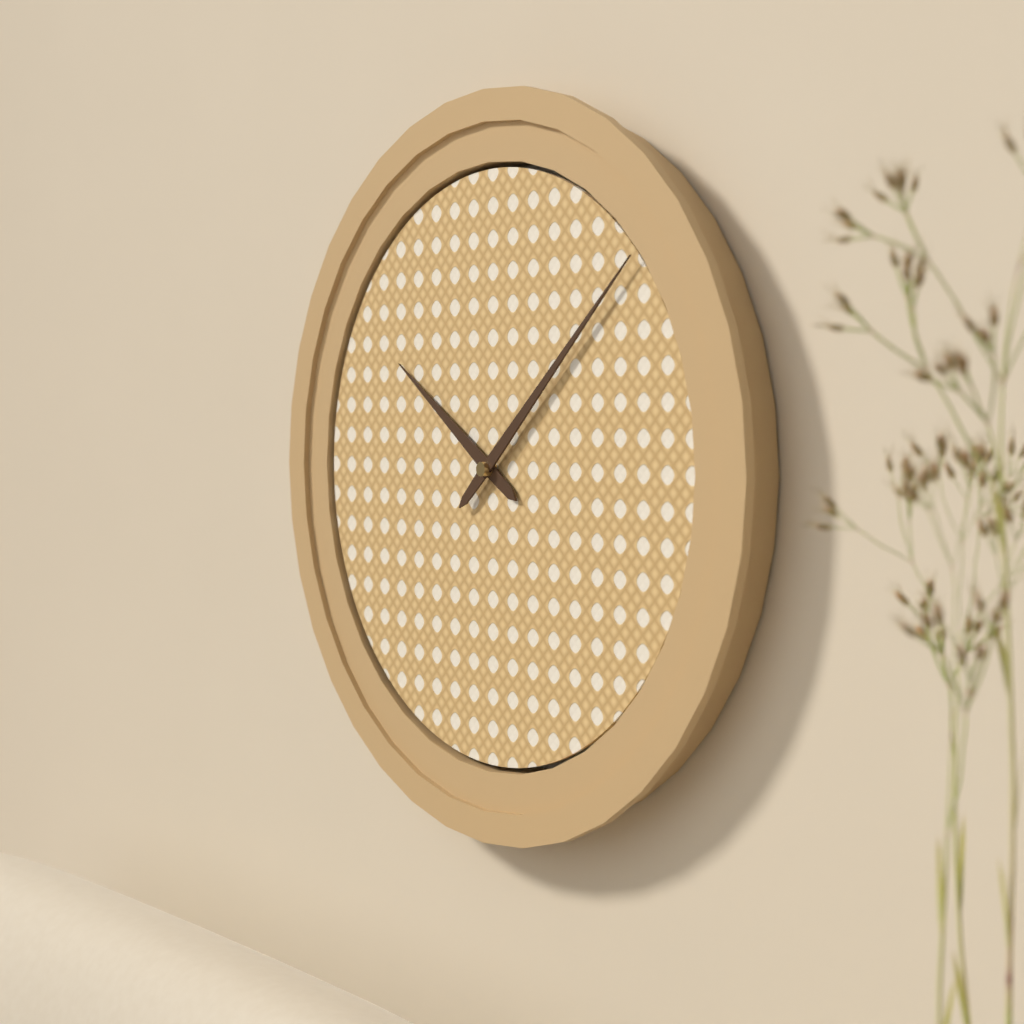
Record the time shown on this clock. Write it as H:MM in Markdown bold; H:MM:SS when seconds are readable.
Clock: **10:08**
